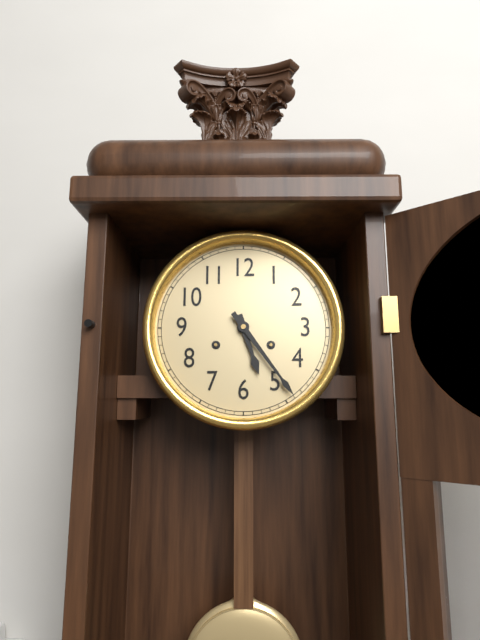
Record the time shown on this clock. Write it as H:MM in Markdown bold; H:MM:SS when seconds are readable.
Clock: **5:24**
